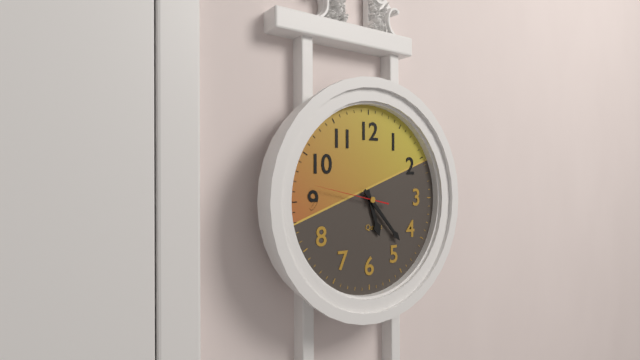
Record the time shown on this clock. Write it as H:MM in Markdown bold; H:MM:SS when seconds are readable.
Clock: **5:23:47**
